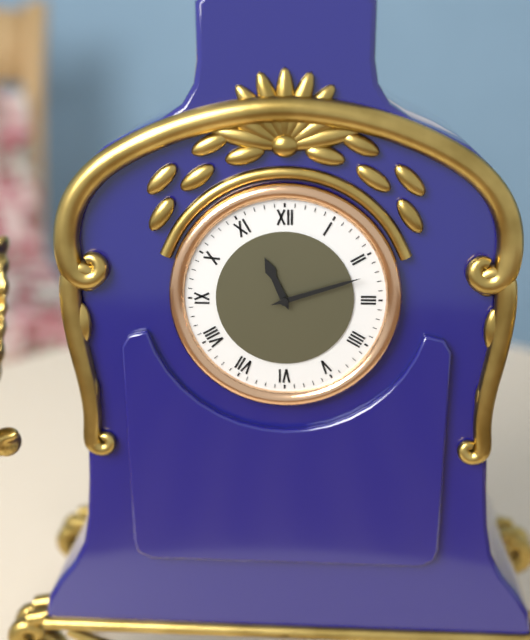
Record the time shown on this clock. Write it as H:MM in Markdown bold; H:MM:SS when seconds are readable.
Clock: **11:12**
